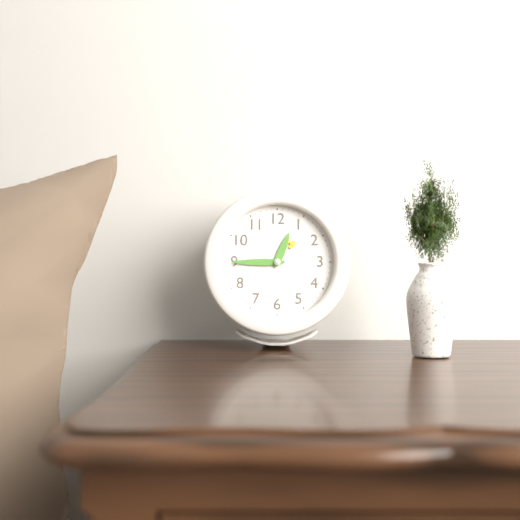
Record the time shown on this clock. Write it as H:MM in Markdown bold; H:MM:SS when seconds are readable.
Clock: **12:45**
